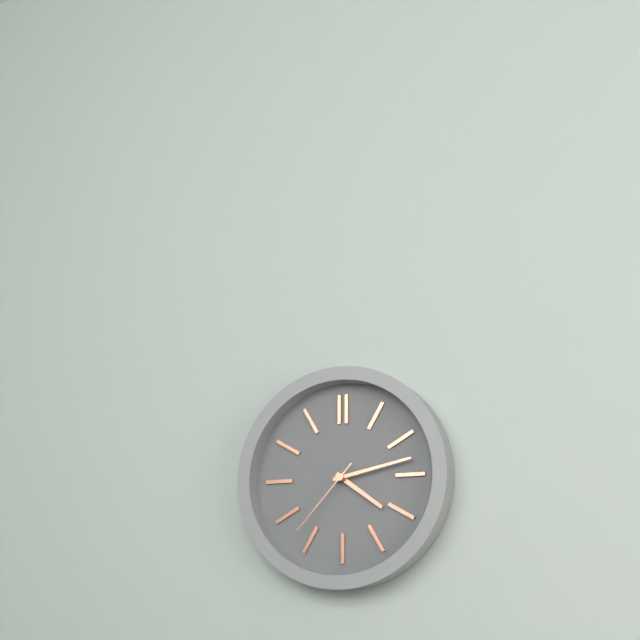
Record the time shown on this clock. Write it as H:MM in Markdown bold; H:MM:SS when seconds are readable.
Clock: **4:13:37**
